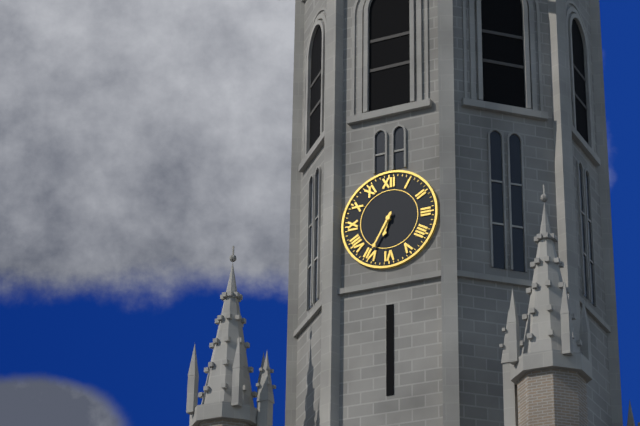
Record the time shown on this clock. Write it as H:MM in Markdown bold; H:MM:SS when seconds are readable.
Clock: **6:35**
